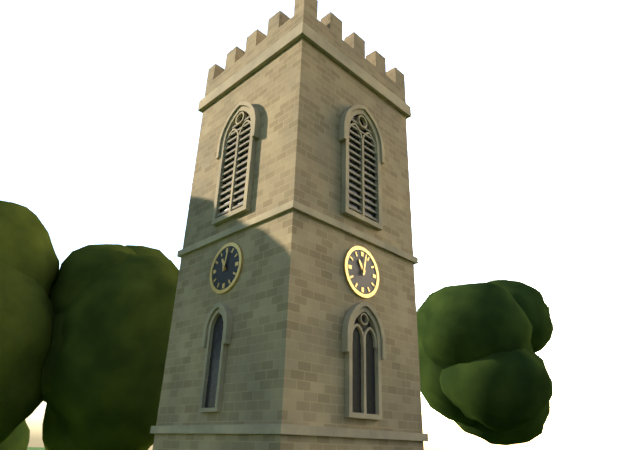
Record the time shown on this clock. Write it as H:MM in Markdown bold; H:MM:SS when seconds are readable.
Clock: **11:02**
